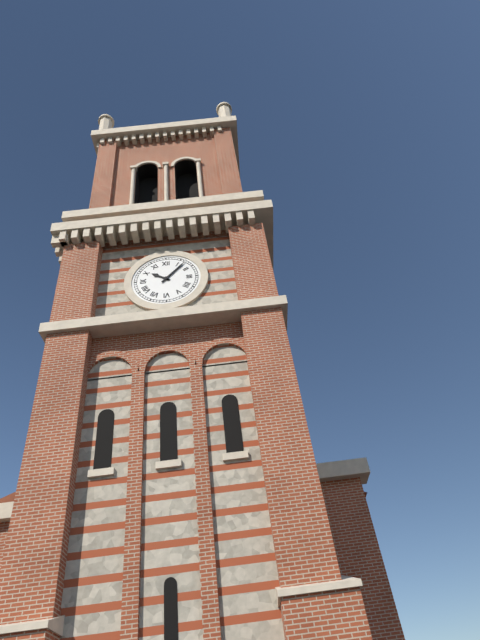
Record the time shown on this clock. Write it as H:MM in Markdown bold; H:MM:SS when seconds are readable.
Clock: **10:07**
